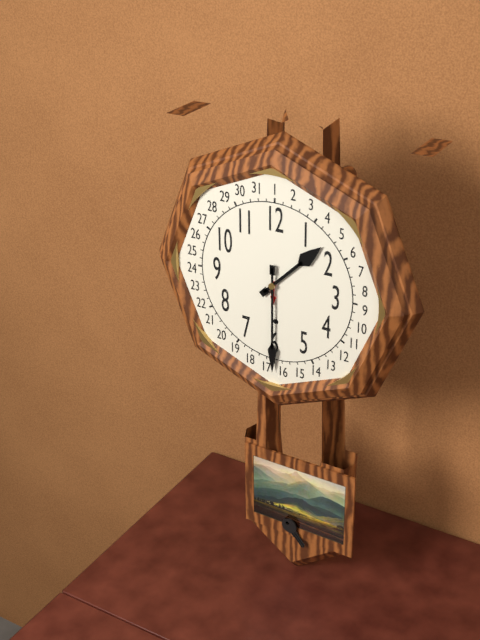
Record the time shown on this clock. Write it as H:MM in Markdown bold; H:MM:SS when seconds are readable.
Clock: **1:30**
